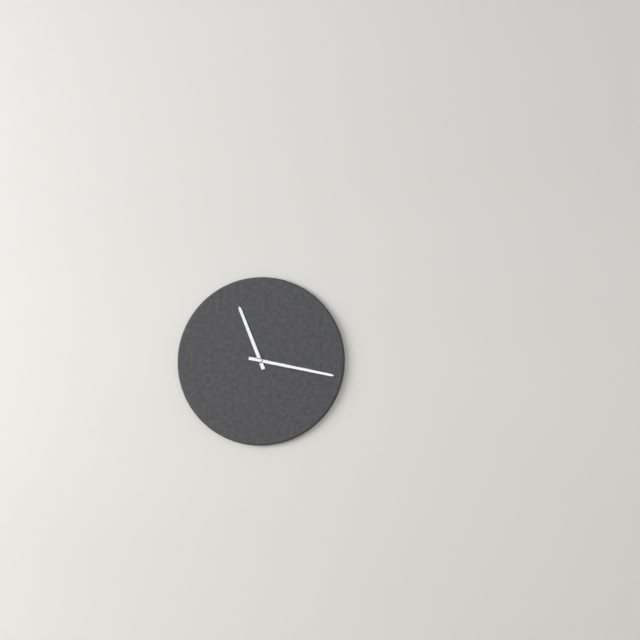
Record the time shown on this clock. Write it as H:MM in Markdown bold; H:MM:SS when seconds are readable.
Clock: **11:17**
